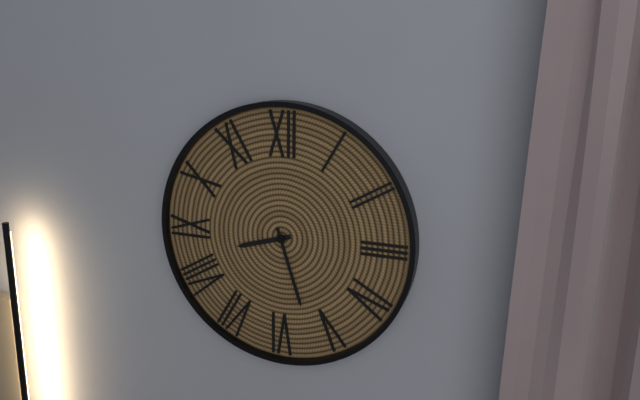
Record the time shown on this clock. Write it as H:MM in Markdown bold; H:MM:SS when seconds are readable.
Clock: **8:27**
